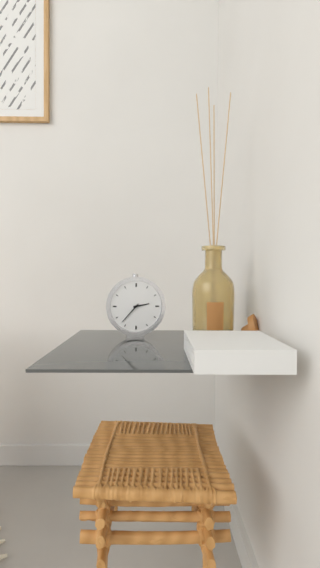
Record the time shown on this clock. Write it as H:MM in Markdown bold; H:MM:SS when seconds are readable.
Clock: **2:37**
